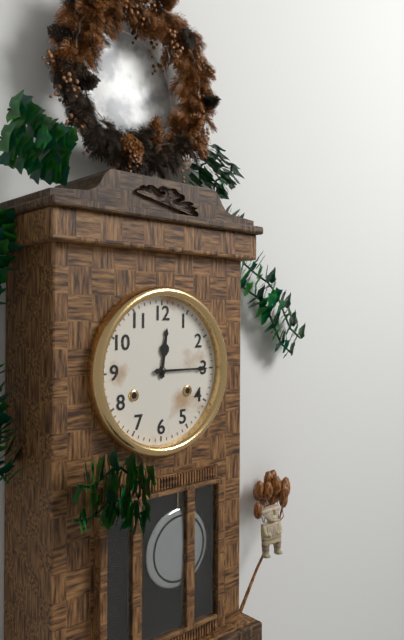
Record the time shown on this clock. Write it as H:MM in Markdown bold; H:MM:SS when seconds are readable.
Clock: **12:15**
